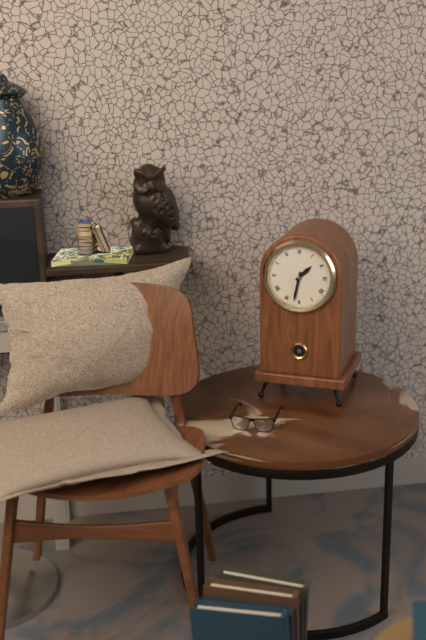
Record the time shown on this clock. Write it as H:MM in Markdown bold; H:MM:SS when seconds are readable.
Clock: **1:32**
